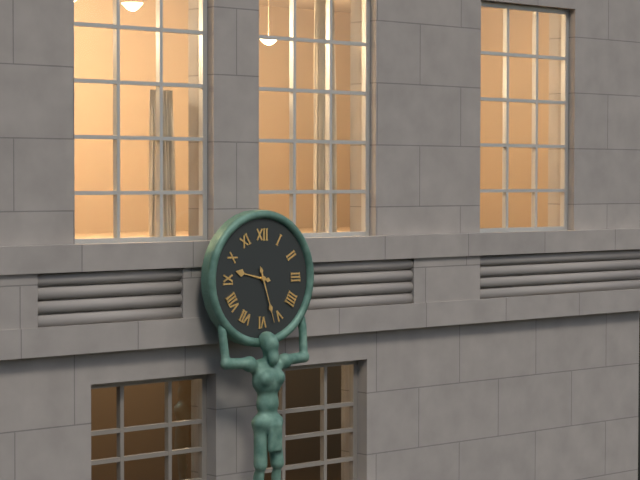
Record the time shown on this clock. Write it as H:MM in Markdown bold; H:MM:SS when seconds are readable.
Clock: **9:27**
